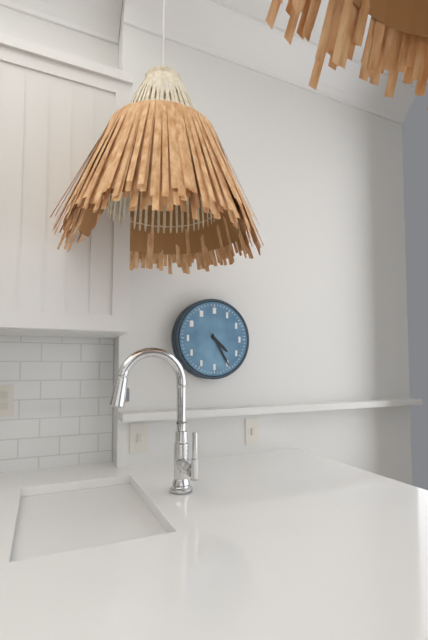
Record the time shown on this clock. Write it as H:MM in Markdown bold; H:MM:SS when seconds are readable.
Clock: **4:25**
